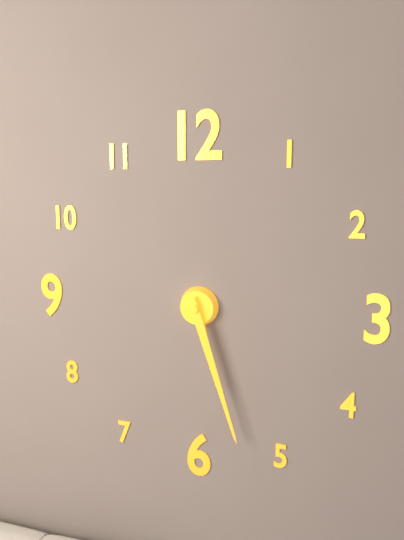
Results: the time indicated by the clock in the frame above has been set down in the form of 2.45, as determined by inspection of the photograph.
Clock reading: 5.27
